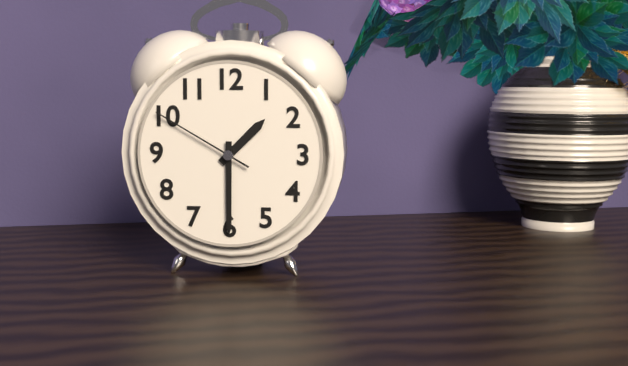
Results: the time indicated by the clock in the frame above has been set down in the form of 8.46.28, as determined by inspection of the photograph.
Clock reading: 1.30.50
